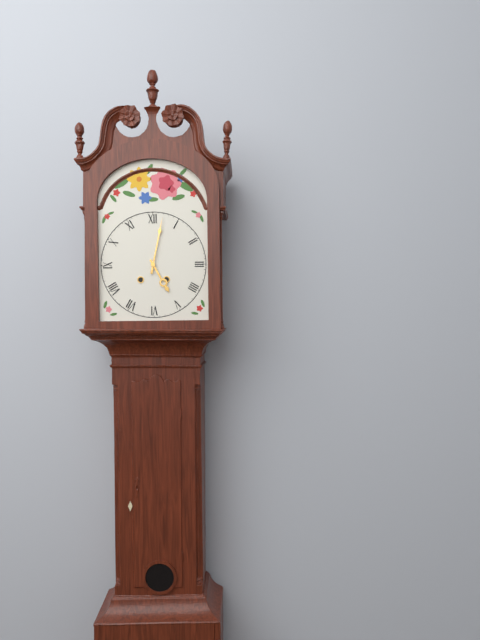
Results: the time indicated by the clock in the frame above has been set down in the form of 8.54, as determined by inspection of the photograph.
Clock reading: 5.02
